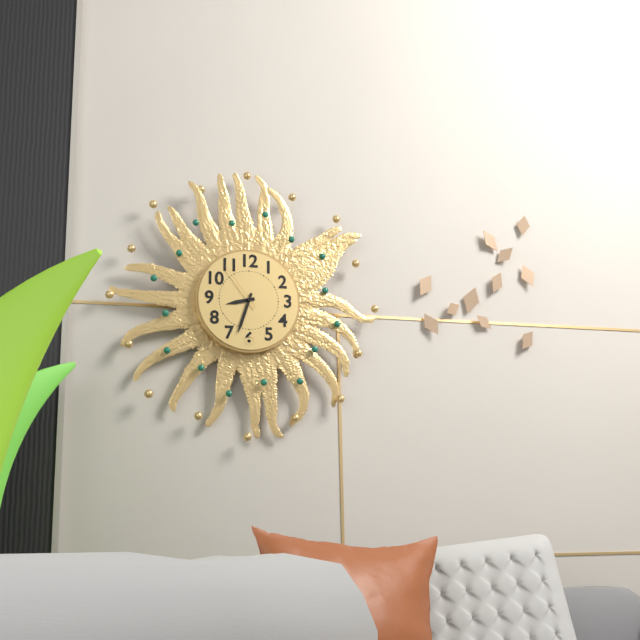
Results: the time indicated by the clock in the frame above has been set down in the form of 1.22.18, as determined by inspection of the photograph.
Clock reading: 8.33.54
